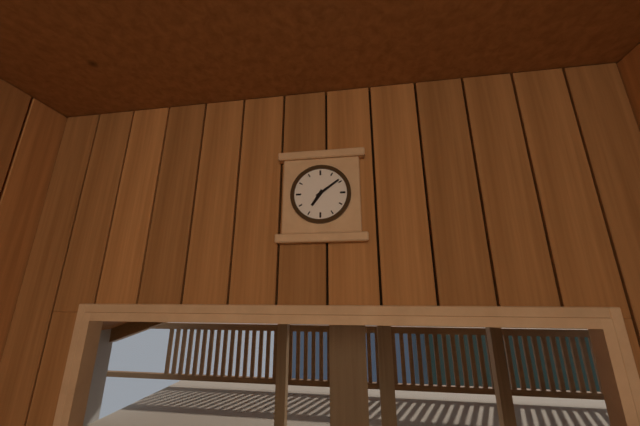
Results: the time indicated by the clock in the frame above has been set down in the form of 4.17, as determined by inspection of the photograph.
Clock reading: 7.09
